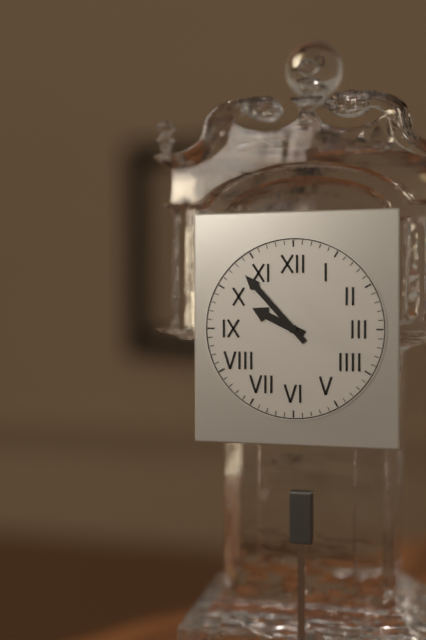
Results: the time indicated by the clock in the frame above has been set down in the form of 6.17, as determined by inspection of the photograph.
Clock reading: 9.53
